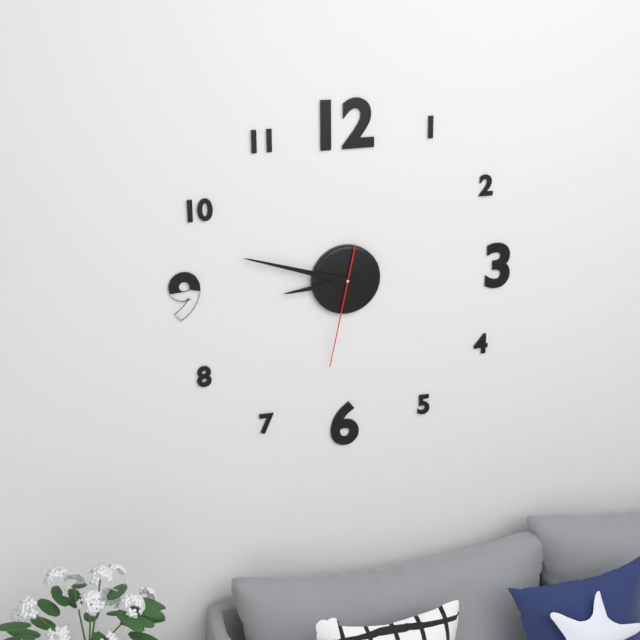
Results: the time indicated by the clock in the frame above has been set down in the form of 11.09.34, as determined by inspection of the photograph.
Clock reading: 8.48.32
